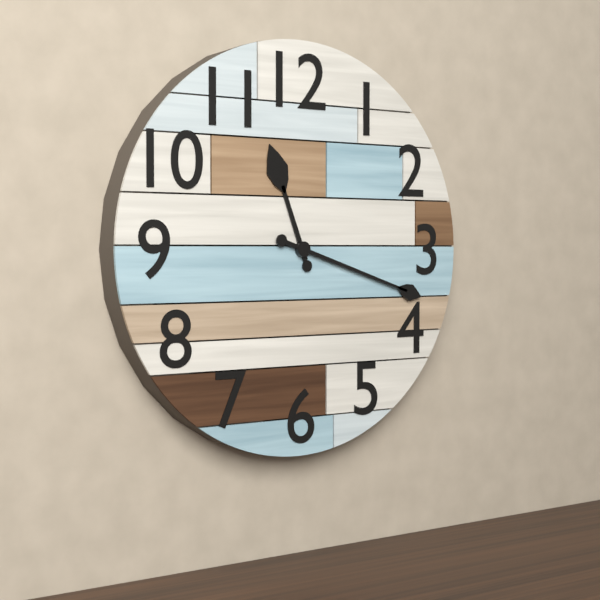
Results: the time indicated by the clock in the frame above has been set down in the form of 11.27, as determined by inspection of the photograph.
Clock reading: 11.18
